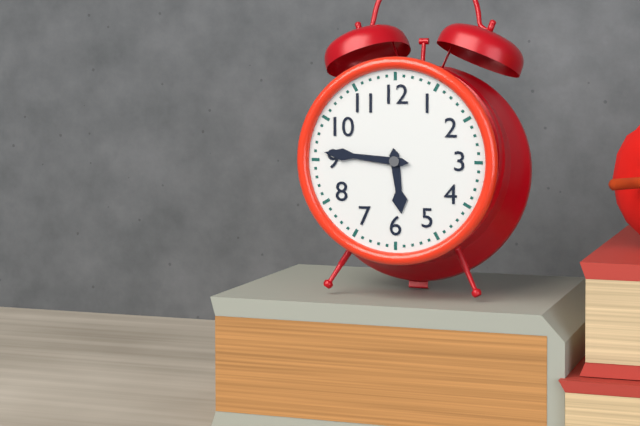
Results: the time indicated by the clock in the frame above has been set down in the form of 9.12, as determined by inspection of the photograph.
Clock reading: 5.46
